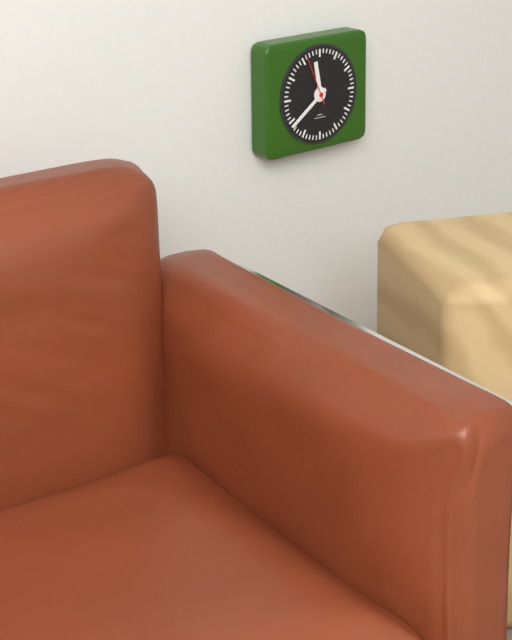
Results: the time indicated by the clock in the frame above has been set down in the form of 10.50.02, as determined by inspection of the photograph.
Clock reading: 11.39.56
